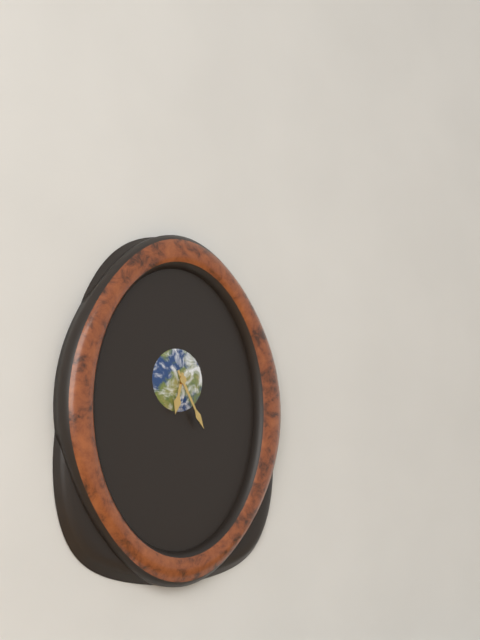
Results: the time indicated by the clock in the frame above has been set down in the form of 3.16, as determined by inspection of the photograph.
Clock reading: 6.25
